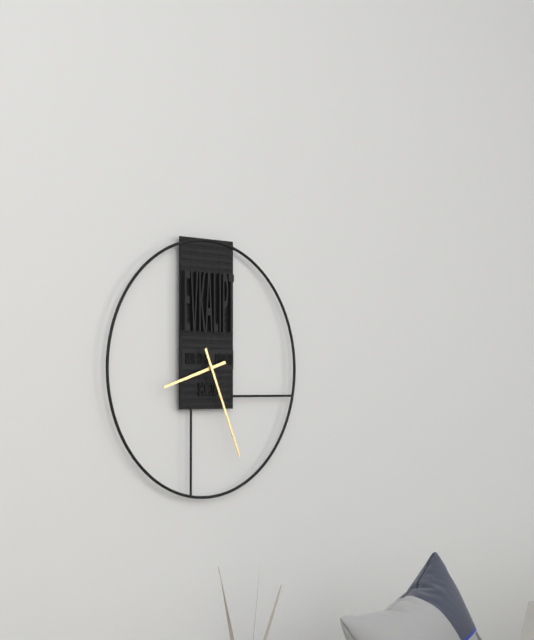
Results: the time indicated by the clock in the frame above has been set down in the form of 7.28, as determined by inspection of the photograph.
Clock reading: 8.26
